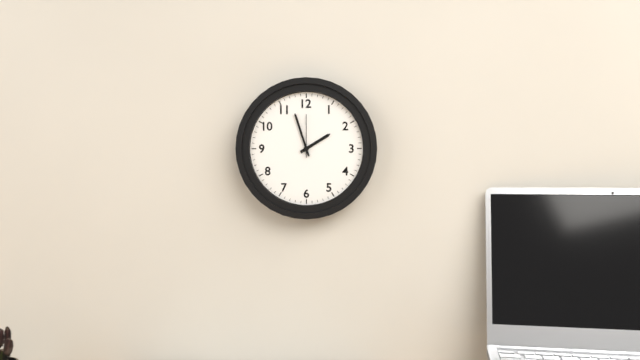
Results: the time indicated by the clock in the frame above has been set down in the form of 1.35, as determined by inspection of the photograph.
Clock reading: 1.57
